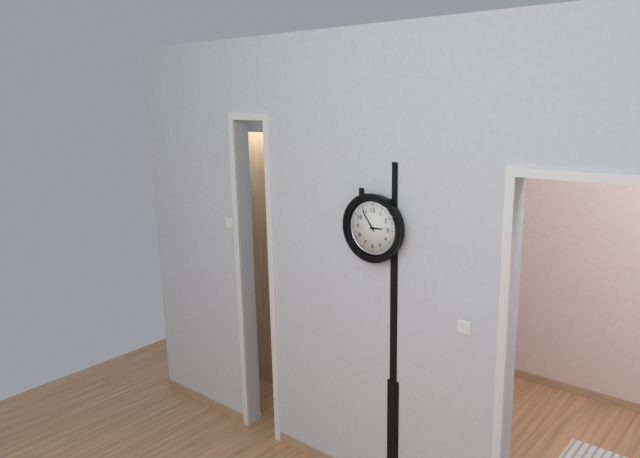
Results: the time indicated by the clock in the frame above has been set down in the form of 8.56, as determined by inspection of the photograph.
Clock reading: 2.54
